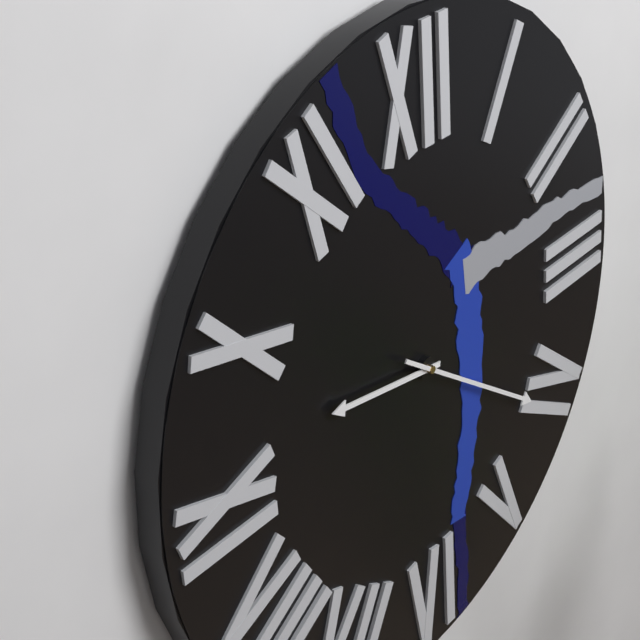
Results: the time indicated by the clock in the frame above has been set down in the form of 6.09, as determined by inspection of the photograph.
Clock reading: 9.21
